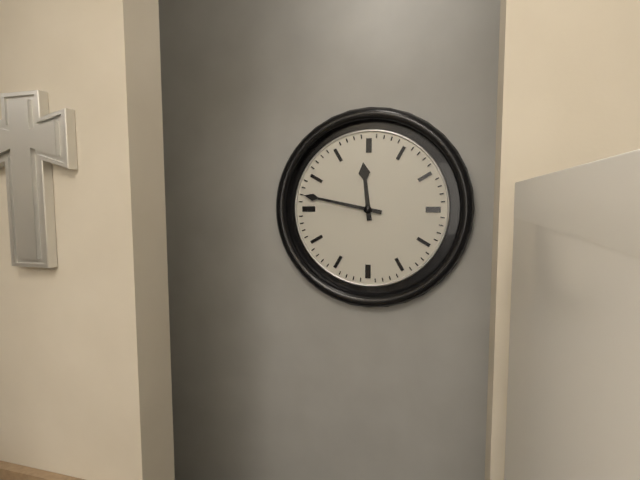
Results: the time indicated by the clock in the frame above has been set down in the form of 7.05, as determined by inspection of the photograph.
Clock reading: 11.47
